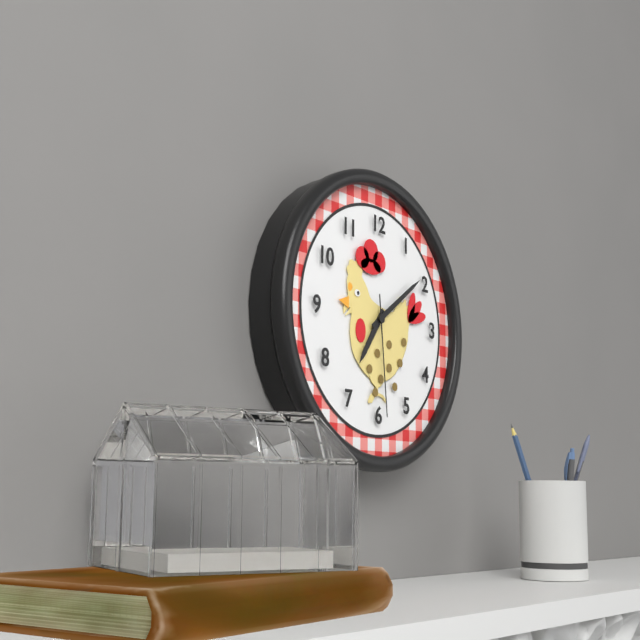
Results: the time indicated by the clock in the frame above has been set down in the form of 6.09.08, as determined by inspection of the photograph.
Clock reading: 7.09.29
